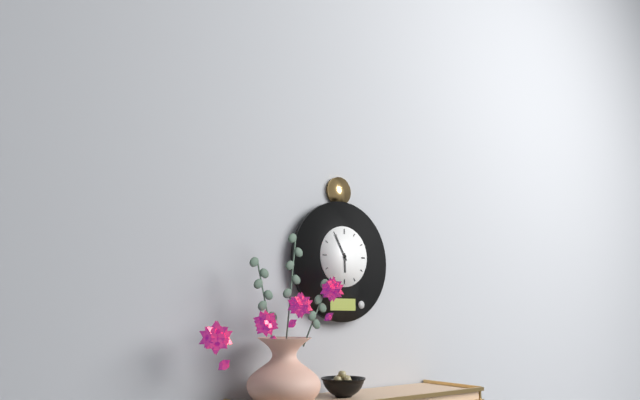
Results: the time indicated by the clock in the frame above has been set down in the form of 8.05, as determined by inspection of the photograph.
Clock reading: 5.55
